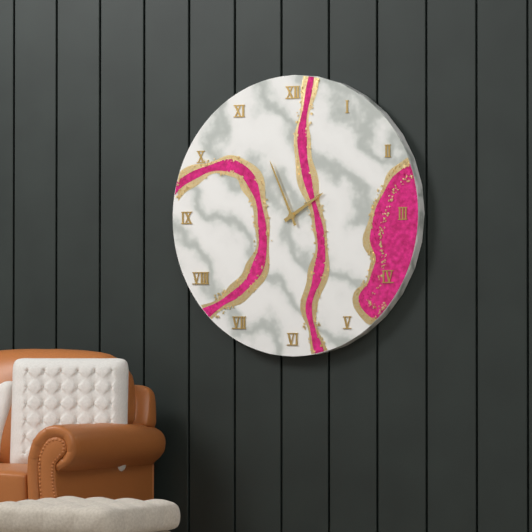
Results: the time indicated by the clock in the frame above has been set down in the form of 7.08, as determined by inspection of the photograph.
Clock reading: 1.56
